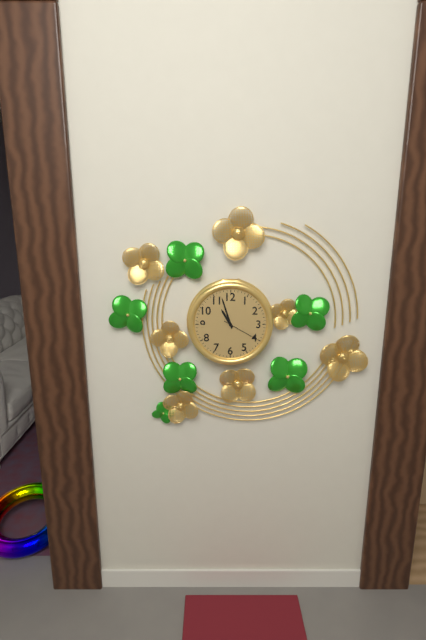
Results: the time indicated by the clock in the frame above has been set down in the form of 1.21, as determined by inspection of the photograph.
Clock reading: 10.57
